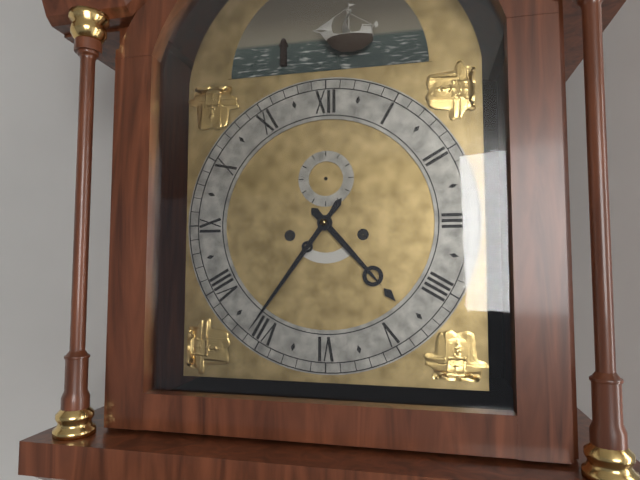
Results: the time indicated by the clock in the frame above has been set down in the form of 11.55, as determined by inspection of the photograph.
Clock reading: 4.36
